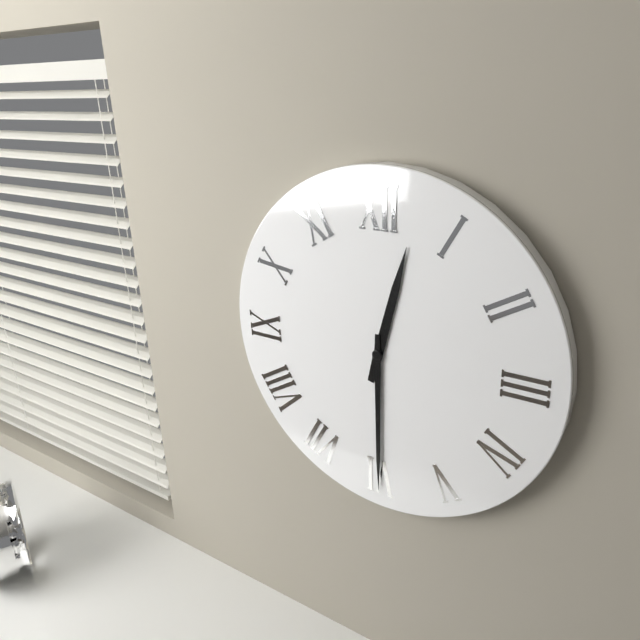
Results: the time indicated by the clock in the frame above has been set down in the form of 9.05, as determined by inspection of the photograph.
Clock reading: 12.30
